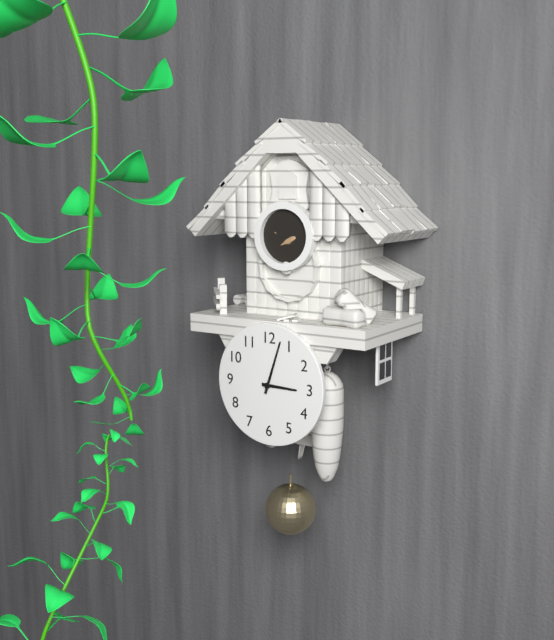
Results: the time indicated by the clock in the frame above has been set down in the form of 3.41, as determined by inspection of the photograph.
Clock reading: 3.03
